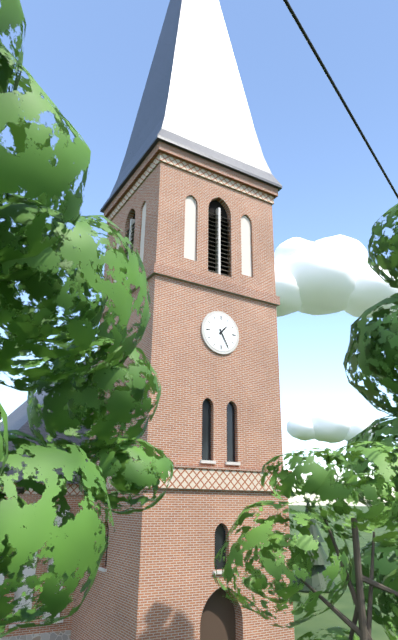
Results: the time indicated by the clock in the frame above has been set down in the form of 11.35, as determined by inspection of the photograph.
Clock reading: 1.25
